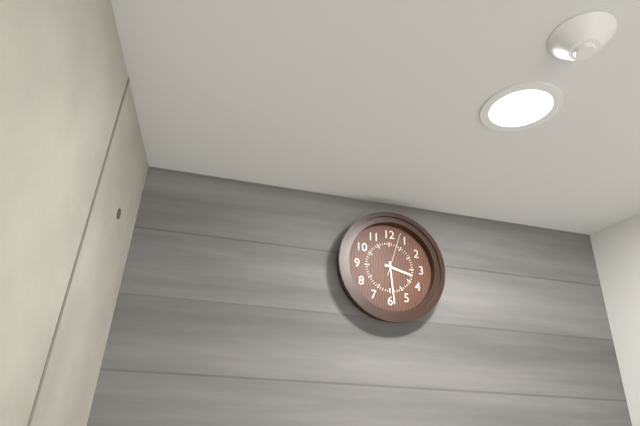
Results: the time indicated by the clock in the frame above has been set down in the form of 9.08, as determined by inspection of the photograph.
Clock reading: 3.29
